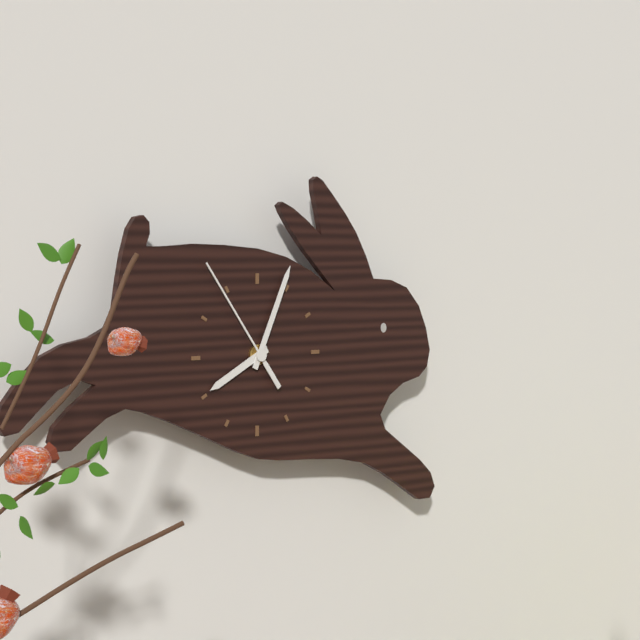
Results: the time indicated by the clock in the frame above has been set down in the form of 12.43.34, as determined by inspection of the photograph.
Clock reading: 8.04.54
